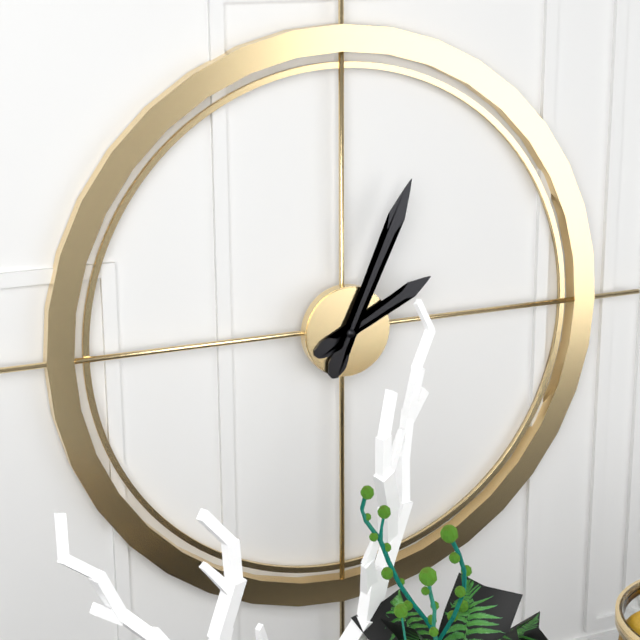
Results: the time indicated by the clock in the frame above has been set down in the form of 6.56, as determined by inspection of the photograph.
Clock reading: 2.04
